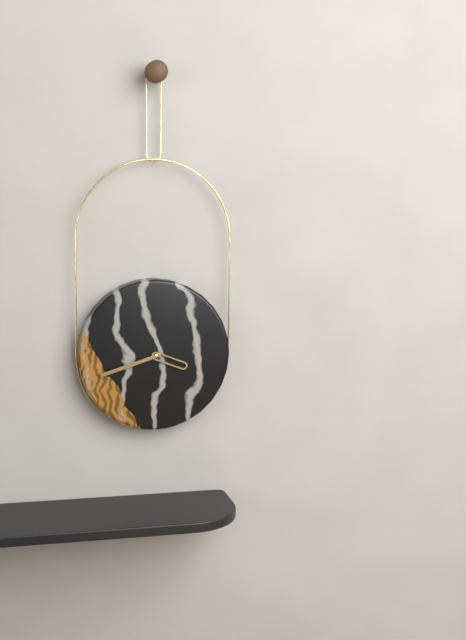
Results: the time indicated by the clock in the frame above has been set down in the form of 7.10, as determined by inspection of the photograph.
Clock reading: 3.42
